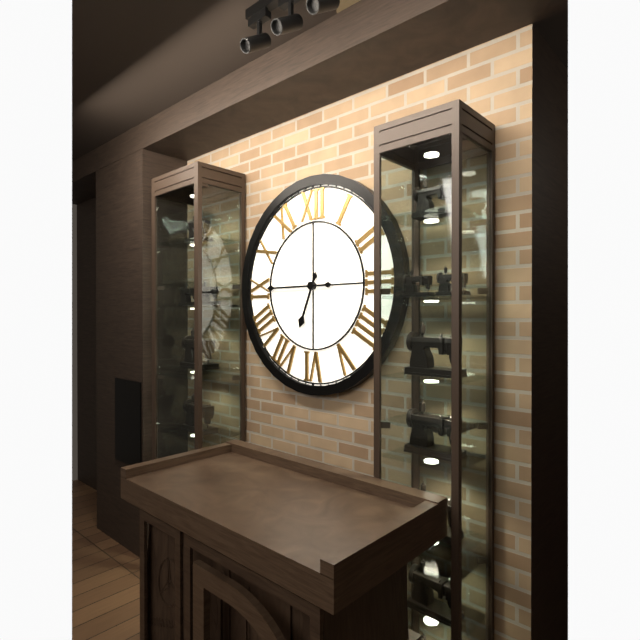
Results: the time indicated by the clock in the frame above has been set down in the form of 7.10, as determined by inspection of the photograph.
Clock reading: 6.45
